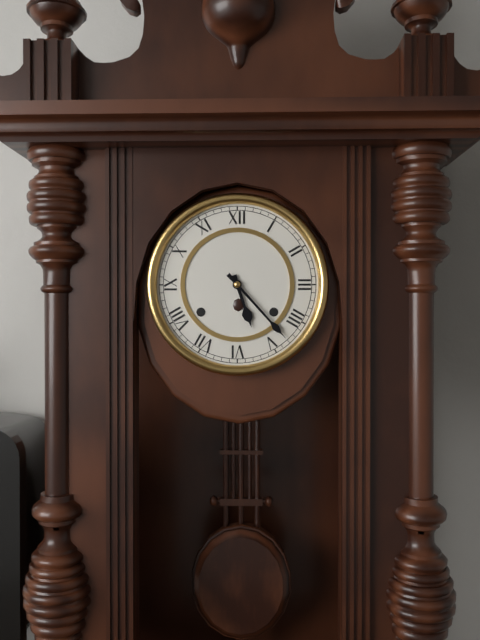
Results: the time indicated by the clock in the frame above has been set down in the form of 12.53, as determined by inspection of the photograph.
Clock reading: 5.23
